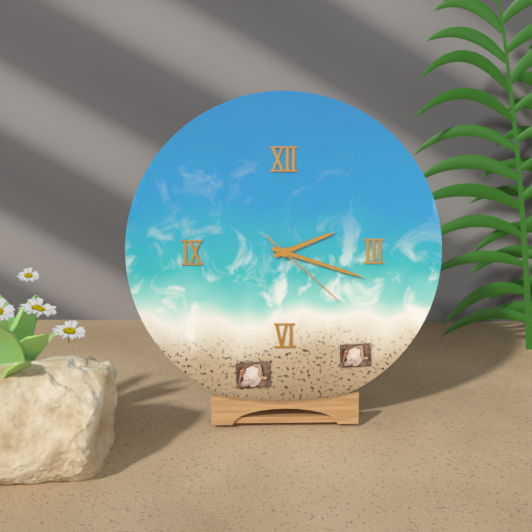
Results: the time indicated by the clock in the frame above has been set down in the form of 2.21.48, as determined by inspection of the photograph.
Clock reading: 2.18.22
